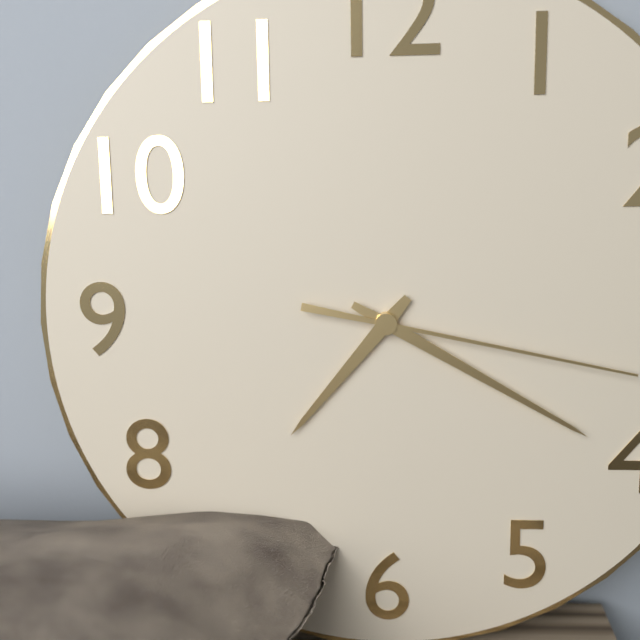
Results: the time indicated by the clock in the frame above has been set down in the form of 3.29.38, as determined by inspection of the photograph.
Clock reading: 7.20.17
